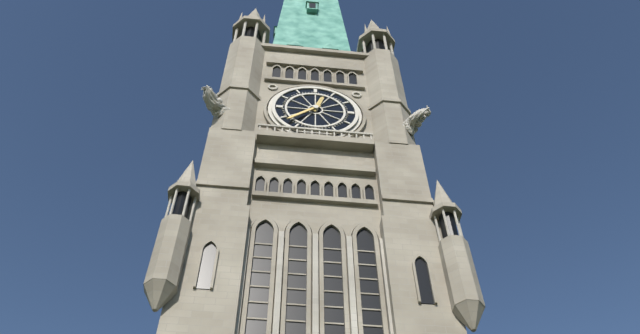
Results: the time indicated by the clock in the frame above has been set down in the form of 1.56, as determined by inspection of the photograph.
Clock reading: 12.38
